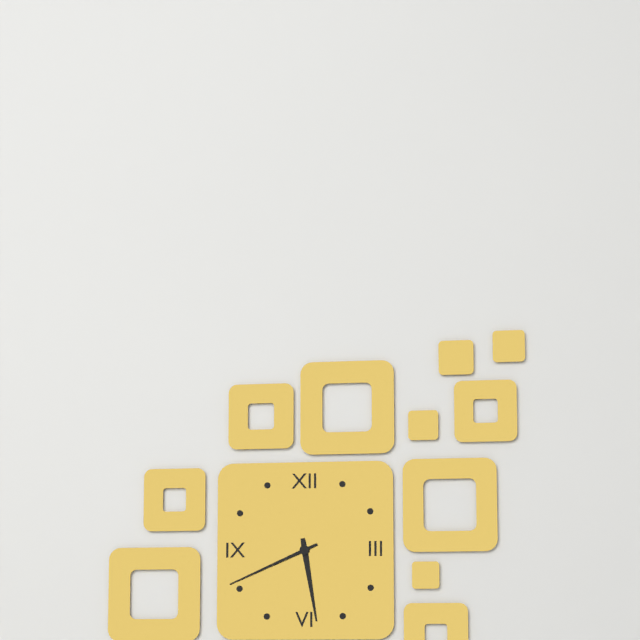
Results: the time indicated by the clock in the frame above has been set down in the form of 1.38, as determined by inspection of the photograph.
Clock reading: 5.41
